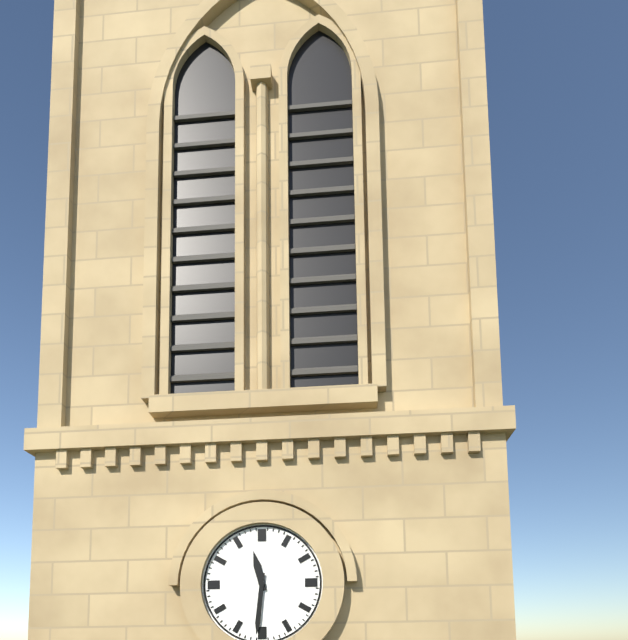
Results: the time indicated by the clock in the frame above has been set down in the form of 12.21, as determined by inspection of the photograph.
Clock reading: 11.31
